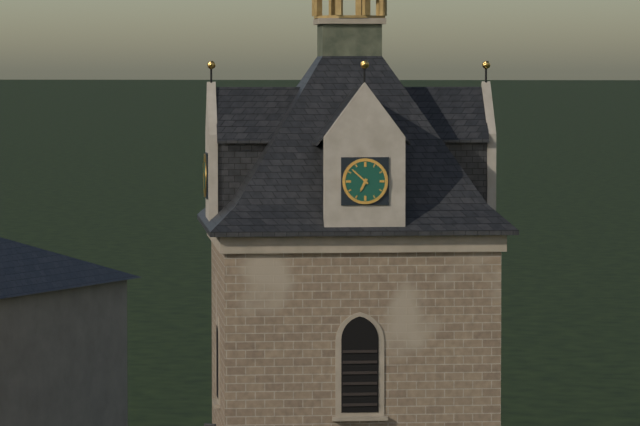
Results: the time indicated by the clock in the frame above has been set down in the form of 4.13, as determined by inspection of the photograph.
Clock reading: 6.52
